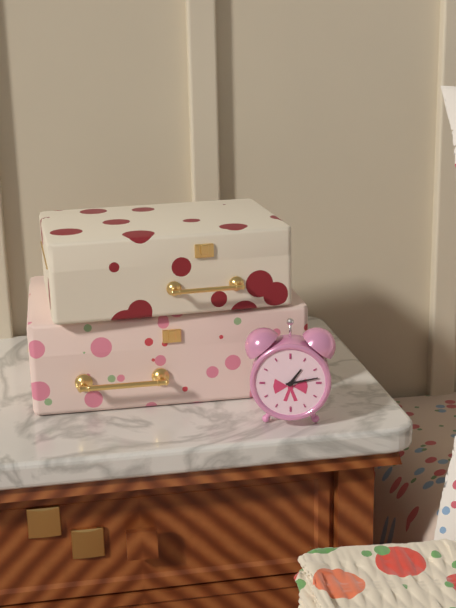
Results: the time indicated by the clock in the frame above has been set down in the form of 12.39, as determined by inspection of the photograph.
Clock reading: 1.13
